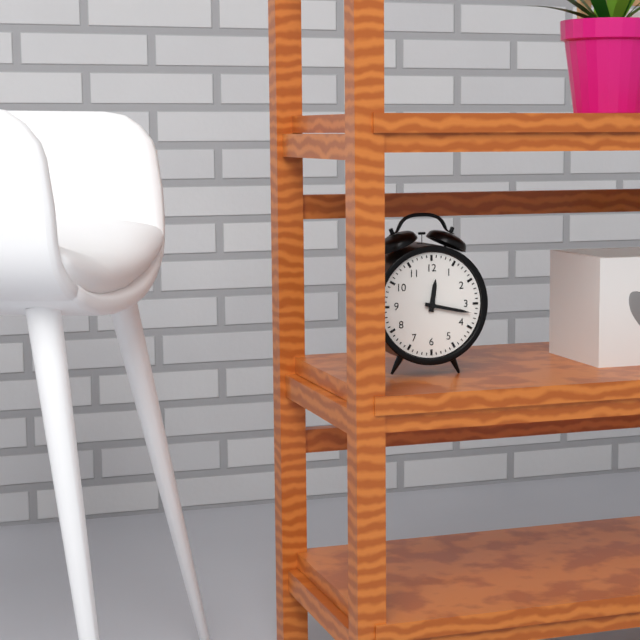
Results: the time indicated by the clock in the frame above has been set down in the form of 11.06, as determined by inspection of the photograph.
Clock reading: 12.17
